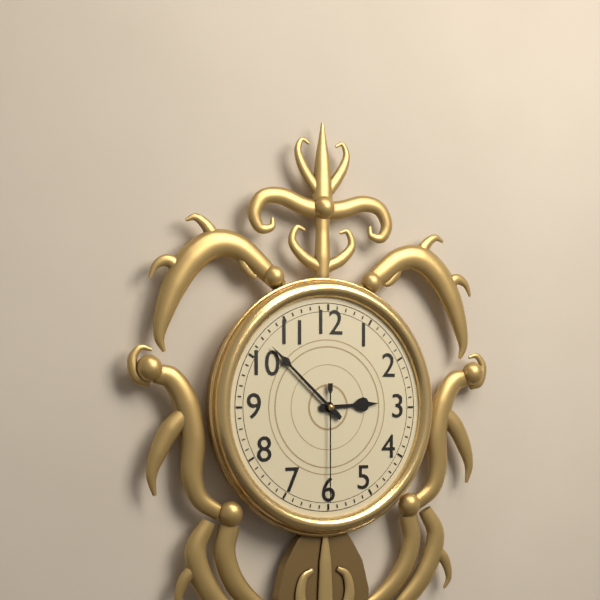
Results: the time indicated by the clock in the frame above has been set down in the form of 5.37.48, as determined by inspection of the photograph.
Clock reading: 2.52.30
